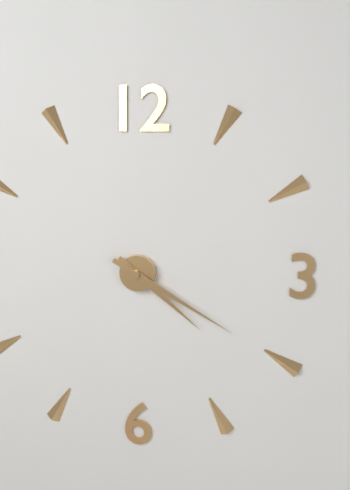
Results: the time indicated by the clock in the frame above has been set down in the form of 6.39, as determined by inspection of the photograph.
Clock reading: 4.20
